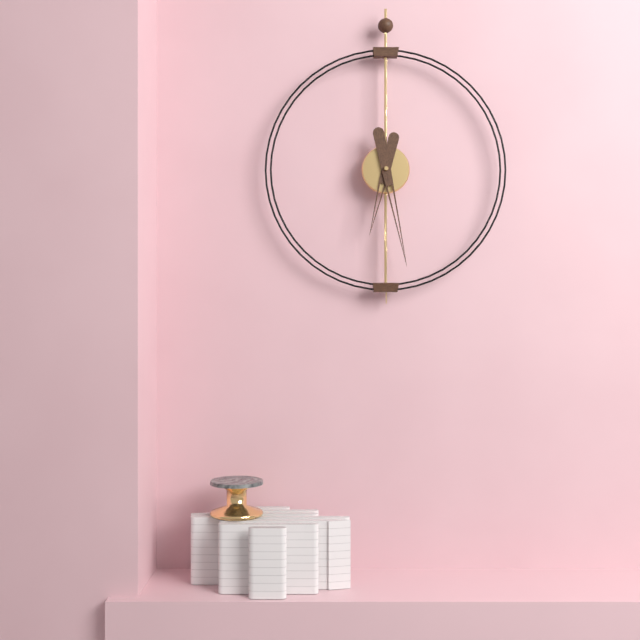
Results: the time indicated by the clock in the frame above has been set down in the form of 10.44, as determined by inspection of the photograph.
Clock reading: 6.28
